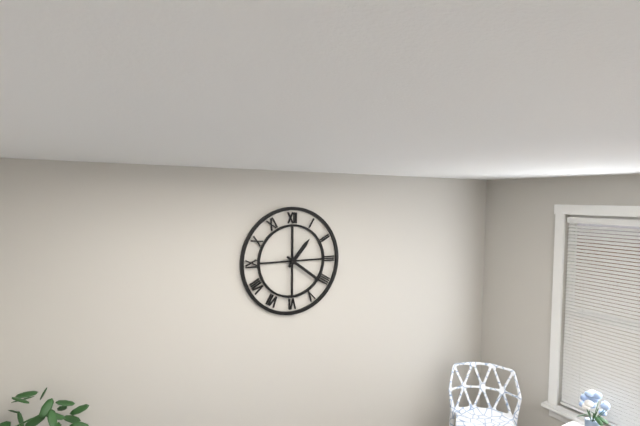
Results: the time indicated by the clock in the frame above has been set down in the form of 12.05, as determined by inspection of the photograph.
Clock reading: 1.21
